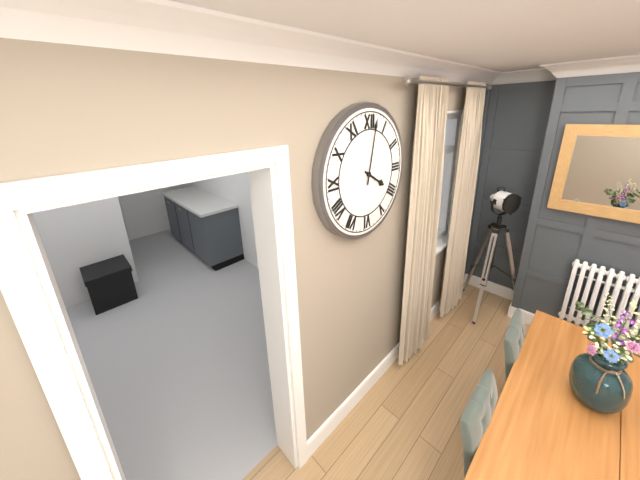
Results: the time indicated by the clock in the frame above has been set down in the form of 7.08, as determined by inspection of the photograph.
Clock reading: 4.02
